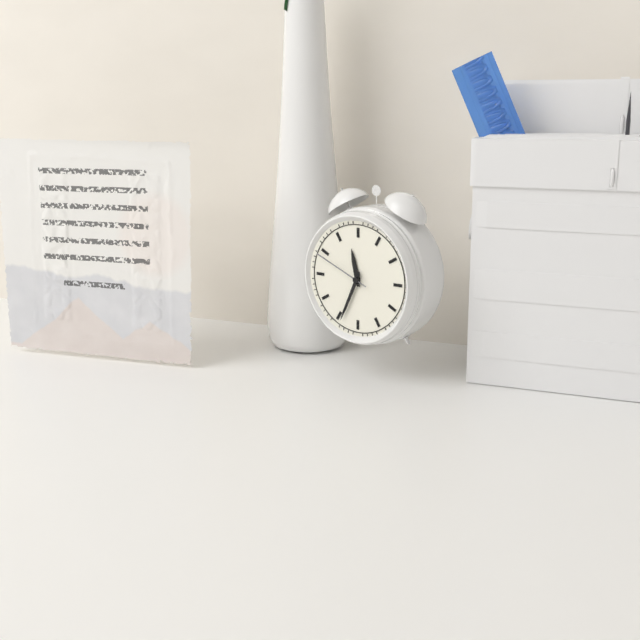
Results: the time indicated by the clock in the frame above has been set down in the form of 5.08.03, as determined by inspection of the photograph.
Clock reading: 11.34.49
